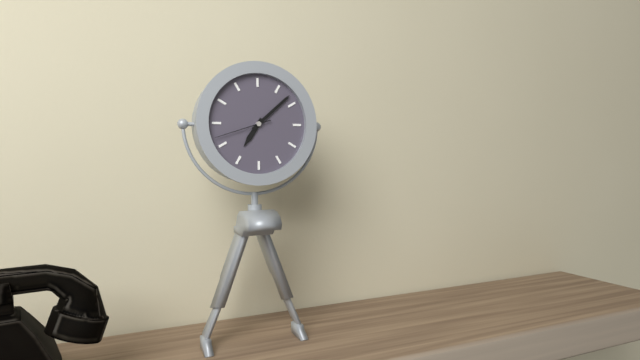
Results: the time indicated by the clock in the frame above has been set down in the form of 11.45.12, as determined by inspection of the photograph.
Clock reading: 7.08.42
